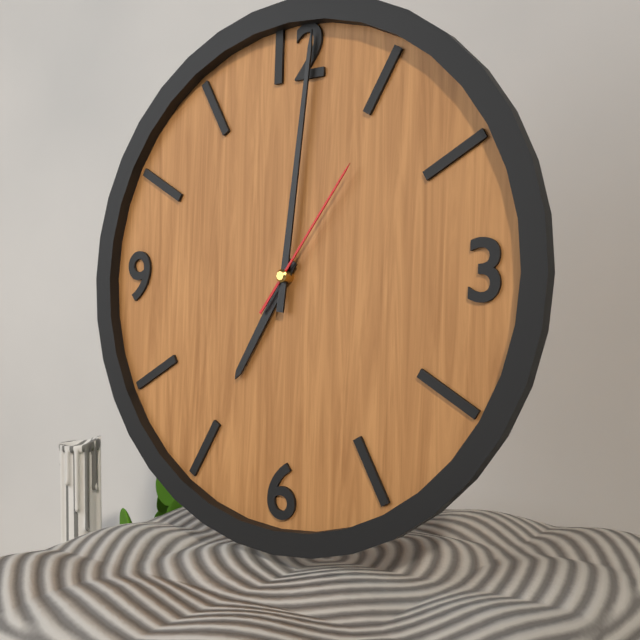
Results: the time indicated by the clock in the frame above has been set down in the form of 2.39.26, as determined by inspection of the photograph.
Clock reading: 7.01.06
